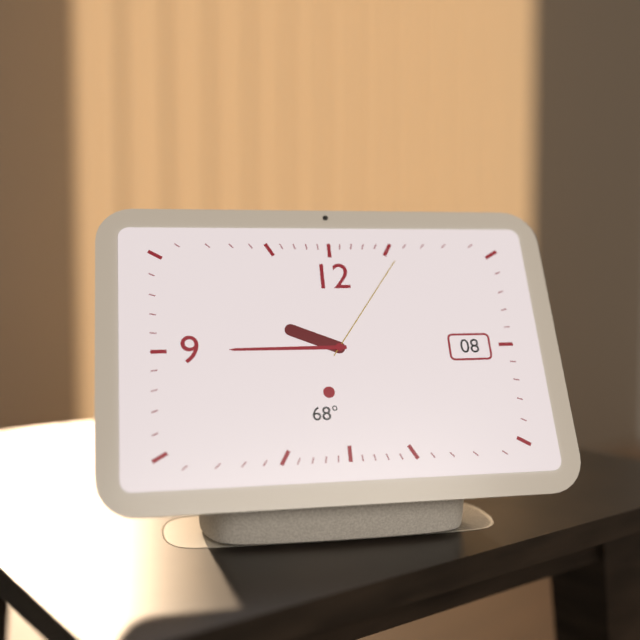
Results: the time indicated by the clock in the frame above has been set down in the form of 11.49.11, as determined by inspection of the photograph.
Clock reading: 9.45.06
